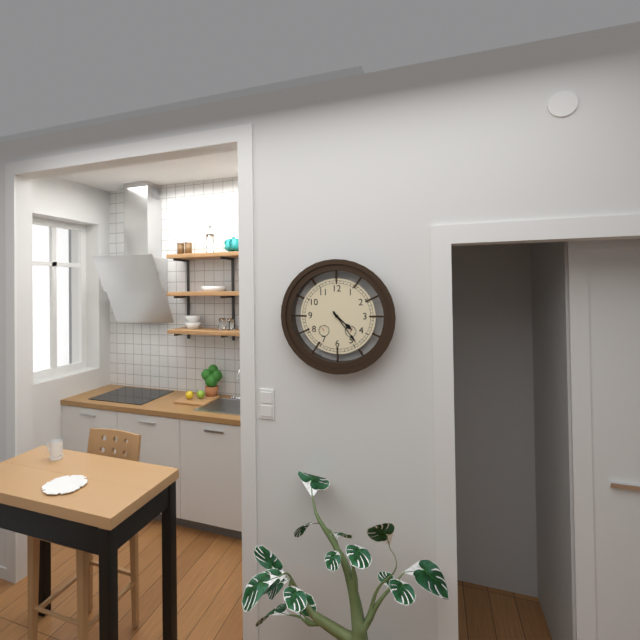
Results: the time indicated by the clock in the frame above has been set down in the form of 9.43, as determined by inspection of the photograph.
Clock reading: 4.24
